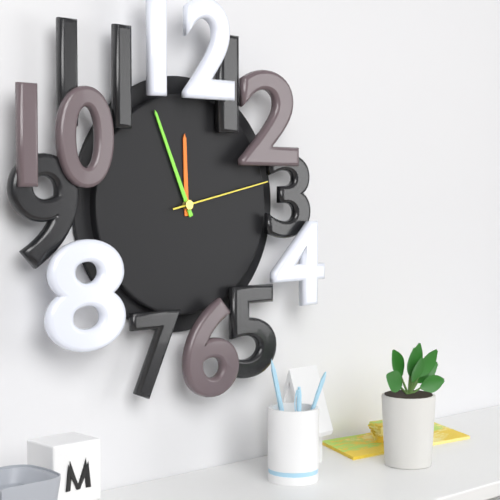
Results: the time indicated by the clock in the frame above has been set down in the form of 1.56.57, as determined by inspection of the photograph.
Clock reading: 11.56.13
